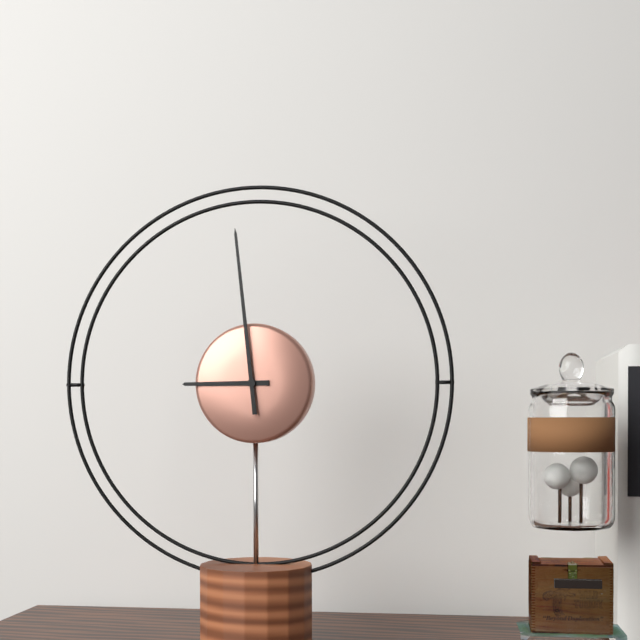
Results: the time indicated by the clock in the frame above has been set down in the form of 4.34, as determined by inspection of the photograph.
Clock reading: 8.59
